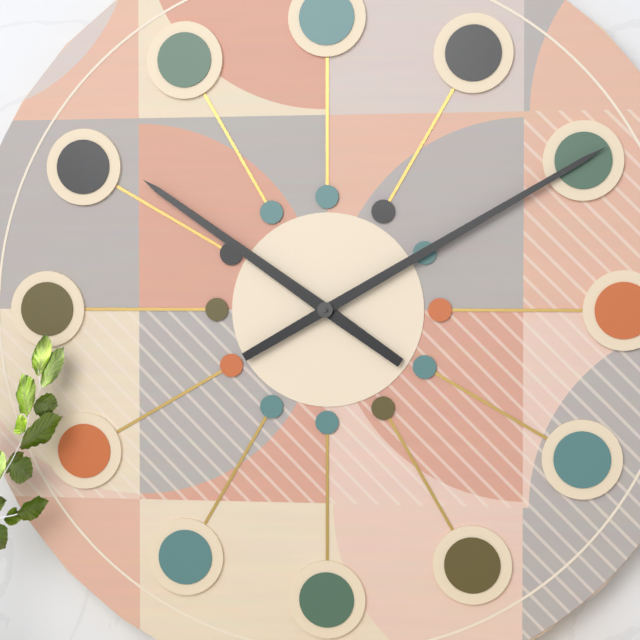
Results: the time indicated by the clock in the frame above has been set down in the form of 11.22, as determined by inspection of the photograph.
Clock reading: 10.10
